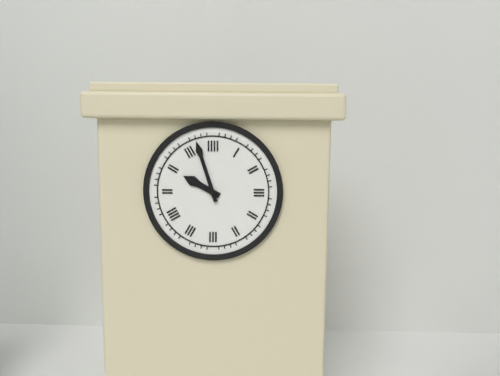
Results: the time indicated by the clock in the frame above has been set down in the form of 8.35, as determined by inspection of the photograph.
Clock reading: 9.57
